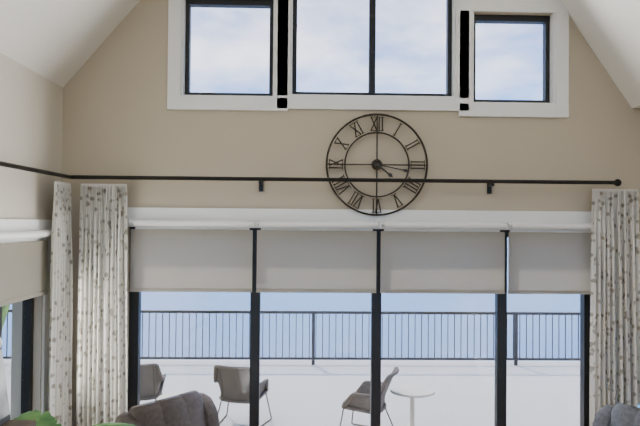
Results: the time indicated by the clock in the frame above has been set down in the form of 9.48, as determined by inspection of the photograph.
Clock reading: 4.17
